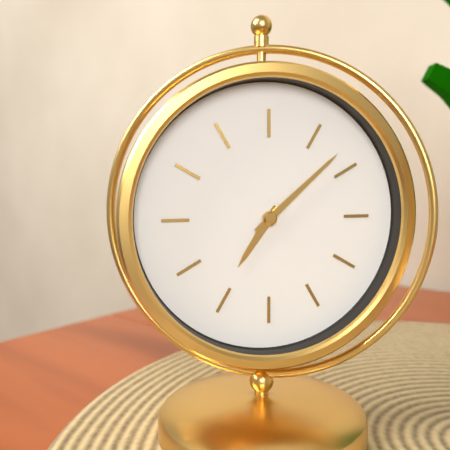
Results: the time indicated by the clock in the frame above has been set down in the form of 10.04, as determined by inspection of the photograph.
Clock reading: 7.08
